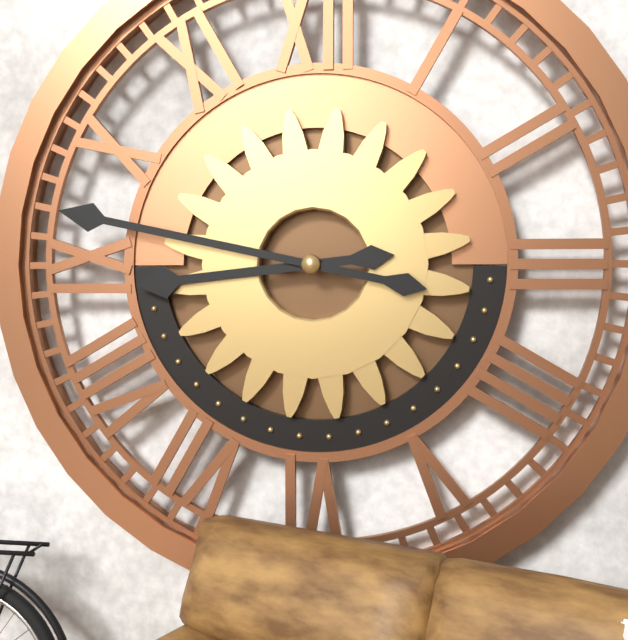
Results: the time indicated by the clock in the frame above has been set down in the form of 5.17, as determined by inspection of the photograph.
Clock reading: 8.47
